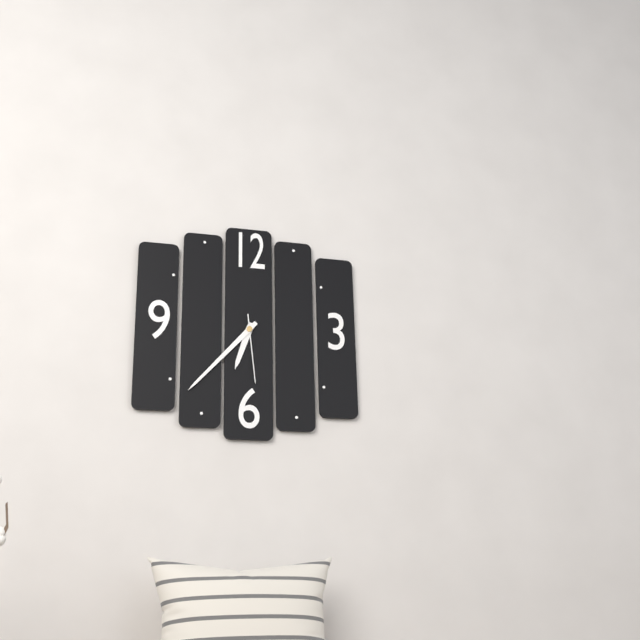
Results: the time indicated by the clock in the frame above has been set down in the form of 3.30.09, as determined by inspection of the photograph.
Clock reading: 6.37.29
